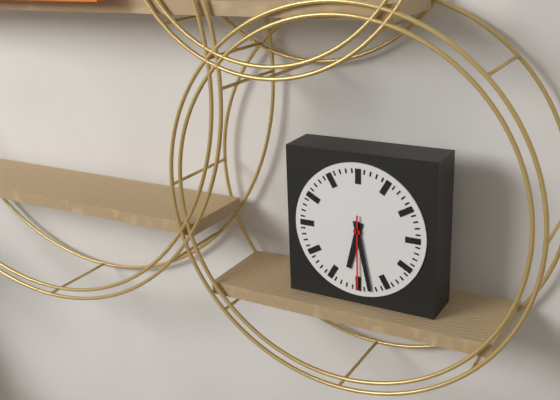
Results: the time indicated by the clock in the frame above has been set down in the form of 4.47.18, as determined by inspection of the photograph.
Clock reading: 6.28.30
